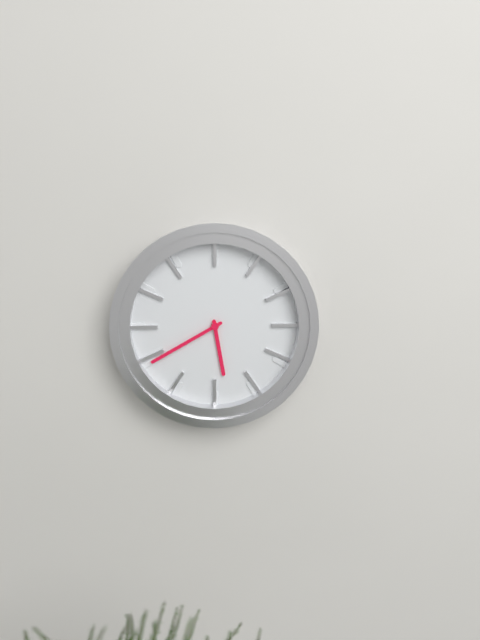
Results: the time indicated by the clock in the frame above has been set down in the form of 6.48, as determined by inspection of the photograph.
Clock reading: 5.40
